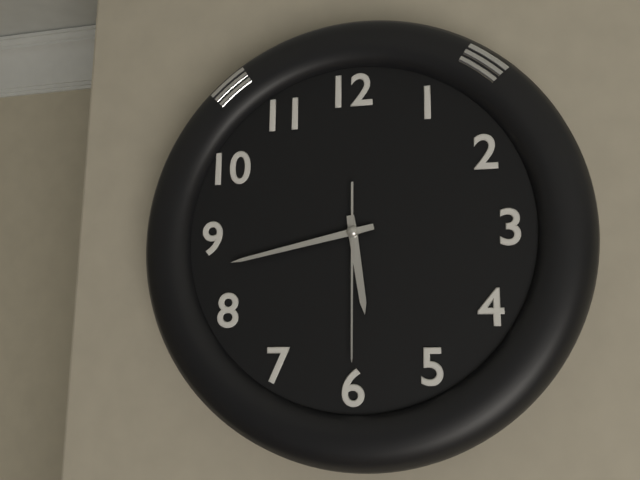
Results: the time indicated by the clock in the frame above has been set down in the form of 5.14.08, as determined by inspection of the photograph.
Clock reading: 5.43.30
